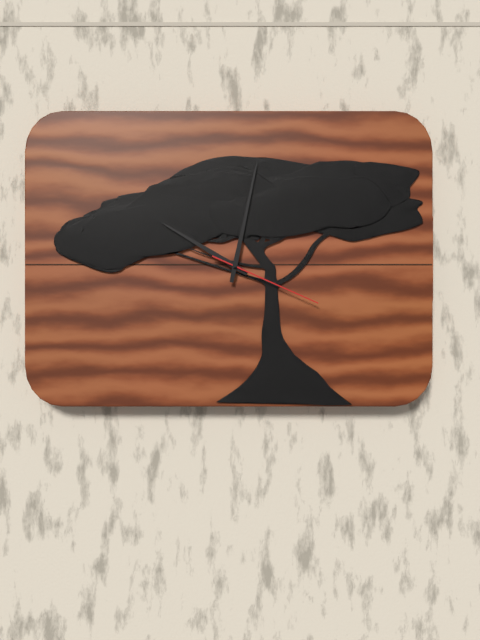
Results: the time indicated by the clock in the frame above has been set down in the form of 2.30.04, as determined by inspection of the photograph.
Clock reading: 10.02.19
